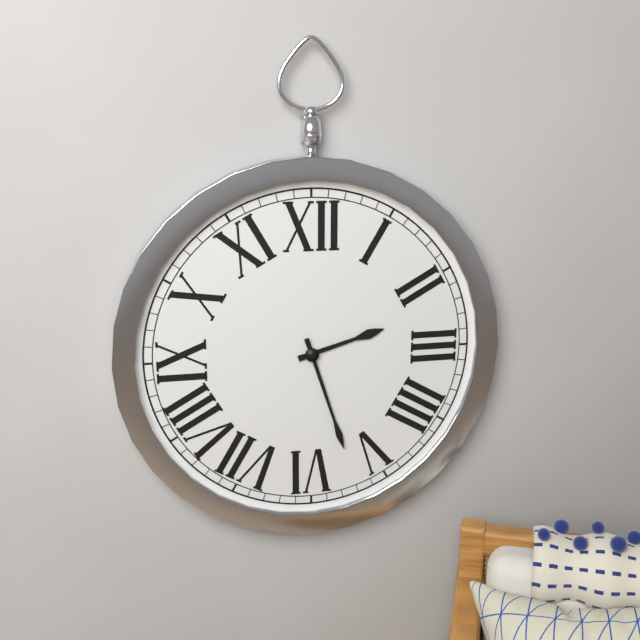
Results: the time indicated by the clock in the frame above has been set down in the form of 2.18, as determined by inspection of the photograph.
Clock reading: 2.27
